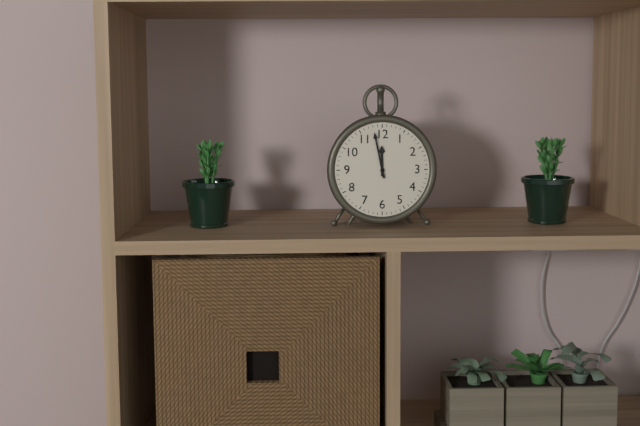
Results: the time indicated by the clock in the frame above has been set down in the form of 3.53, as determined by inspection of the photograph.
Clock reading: 11.58
